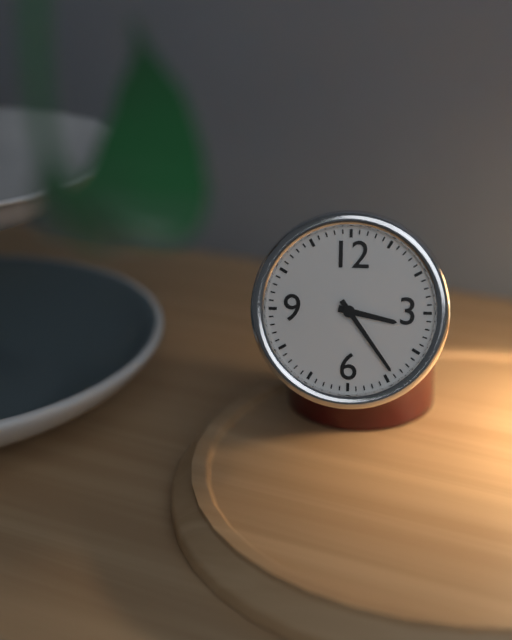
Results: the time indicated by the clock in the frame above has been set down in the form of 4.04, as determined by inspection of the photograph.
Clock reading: 3.24
